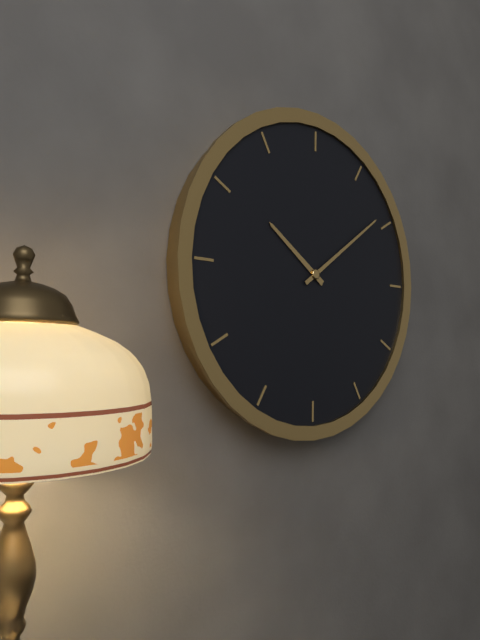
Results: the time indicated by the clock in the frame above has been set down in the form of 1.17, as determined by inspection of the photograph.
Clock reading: 10.09
